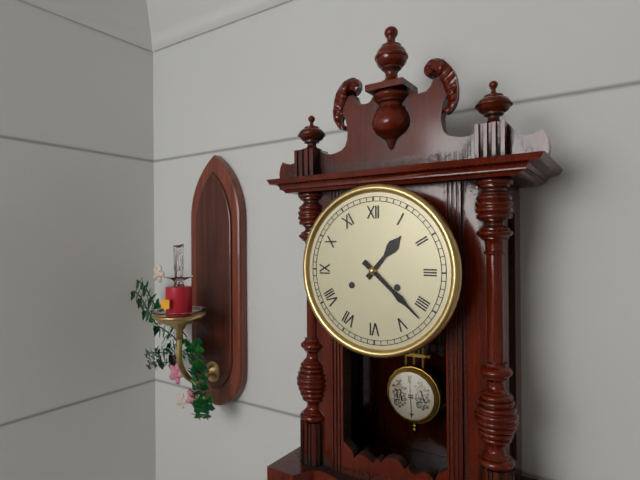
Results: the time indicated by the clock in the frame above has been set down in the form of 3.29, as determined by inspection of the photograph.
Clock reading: 1.22
